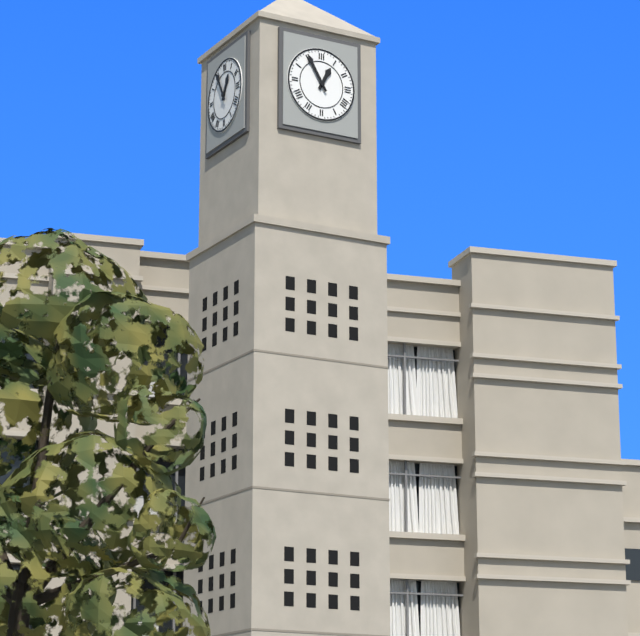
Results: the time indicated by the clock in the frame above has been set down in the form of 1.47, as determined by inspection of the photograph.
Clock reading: 12.55
